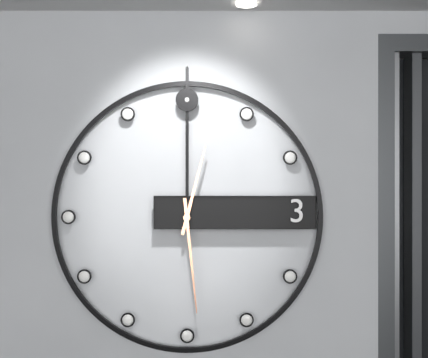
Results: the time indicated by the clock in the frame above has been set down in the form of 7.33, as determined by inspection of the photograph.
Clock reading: 12.29
